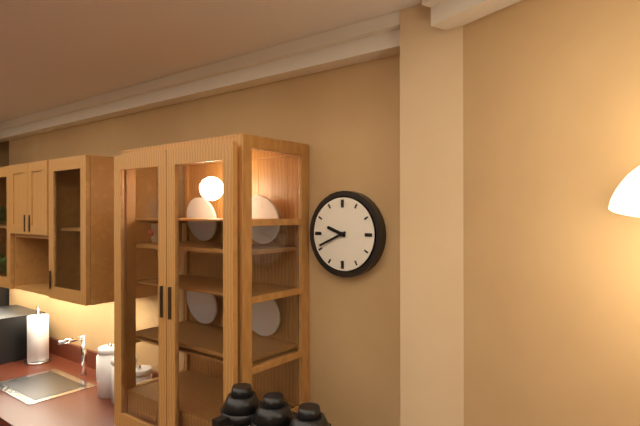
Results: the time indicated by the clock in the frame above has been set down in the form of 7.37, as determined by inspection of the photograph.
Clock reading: 9.41
